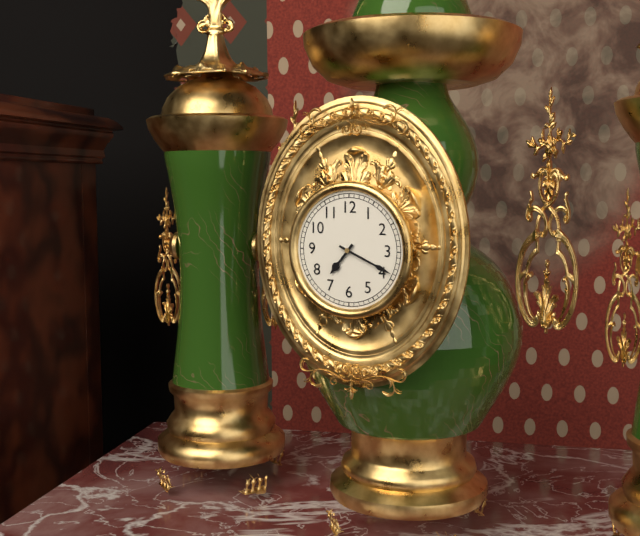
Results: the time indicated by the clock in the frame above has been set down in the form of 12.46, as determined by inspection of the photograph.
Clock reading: 7.19
